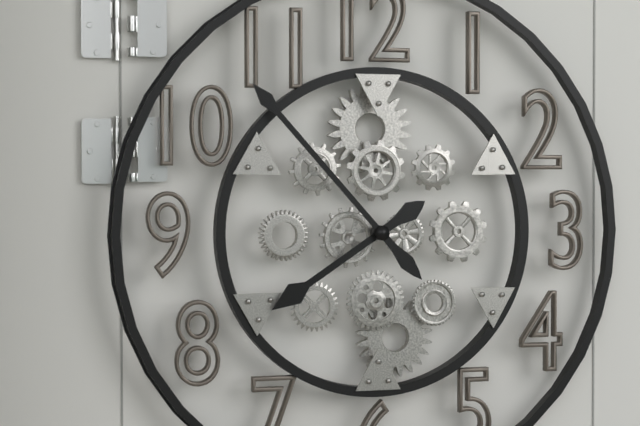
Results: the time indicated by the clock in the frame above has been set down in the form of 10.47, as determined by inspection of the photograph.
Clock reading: 7.53
